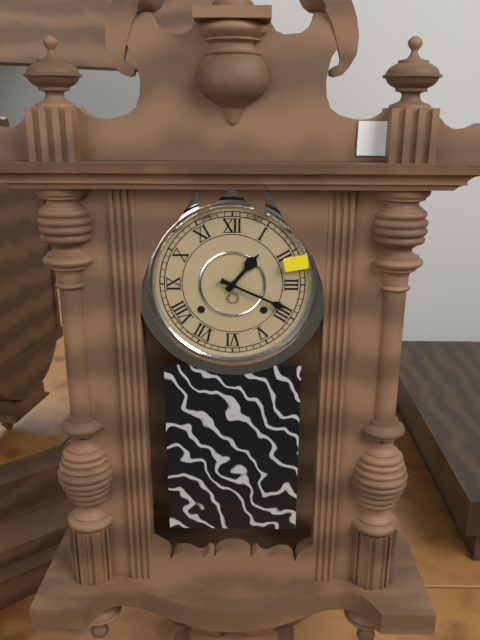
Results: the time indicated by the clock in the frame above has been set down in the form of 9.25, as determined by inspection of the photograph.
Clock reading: 1.19
